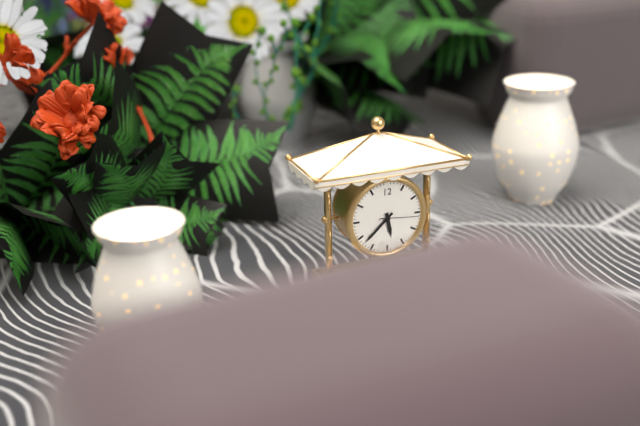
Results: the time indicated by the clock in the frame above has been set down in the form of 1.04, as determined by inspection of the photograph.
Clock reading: 5.38
